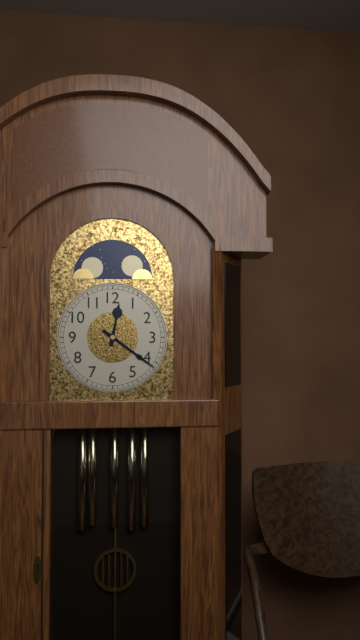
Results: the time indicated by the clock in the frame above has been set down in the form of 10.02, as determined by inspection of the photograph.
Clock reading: 12.21
